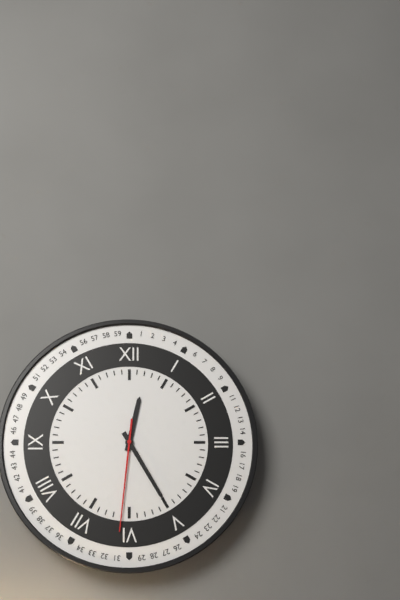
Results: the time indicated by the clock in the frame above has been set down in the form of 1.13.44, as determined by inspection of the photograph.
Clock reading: 12.25.31
